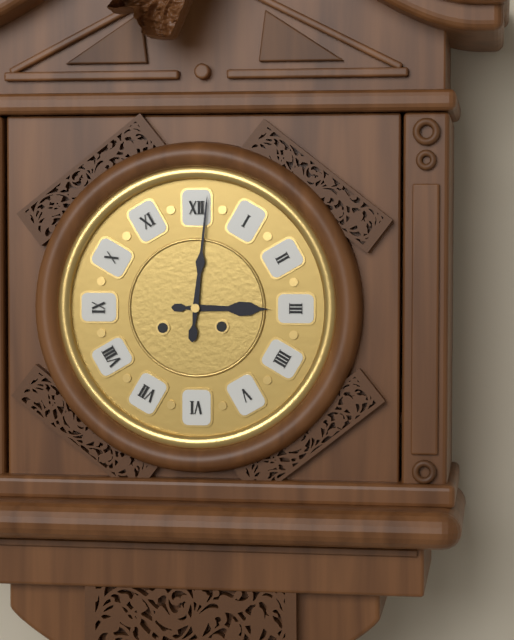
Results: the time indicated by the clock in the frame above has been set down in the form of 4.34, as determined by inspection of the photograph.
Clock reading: 3.01
